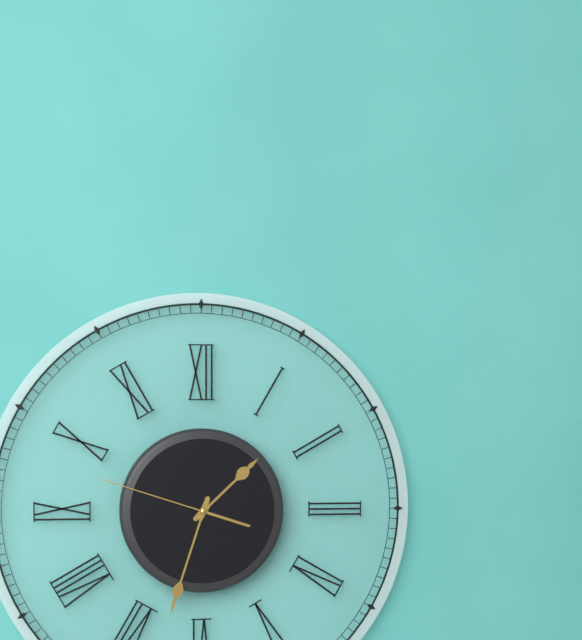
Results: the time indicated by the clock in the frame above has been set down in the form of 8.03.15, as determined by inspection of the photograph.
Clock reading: 1.33.48
